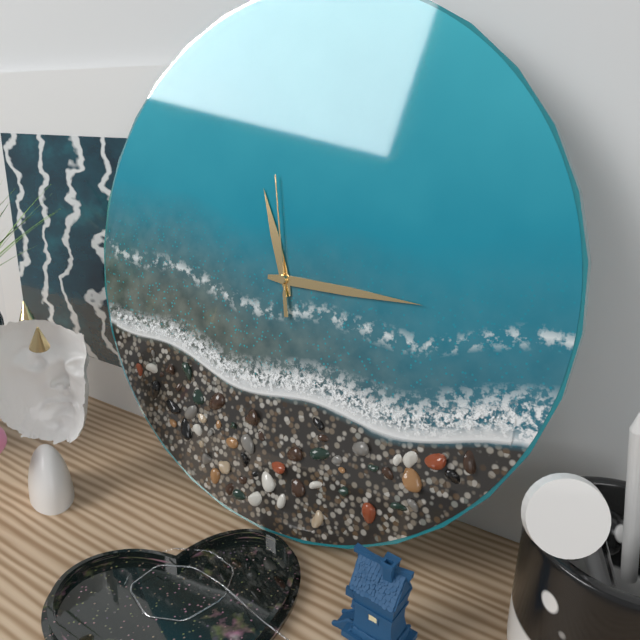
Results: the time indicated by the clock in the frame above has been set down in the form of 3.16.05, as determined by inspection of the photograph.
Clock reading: 11.15.58
